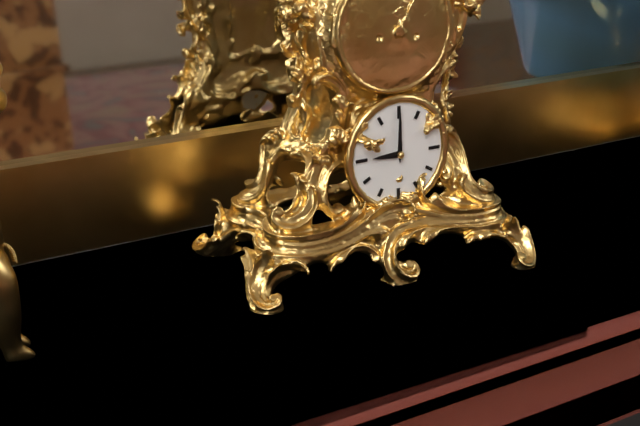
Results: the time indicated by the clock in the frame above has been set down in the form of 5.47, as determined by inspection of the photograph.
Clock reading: 9.00
